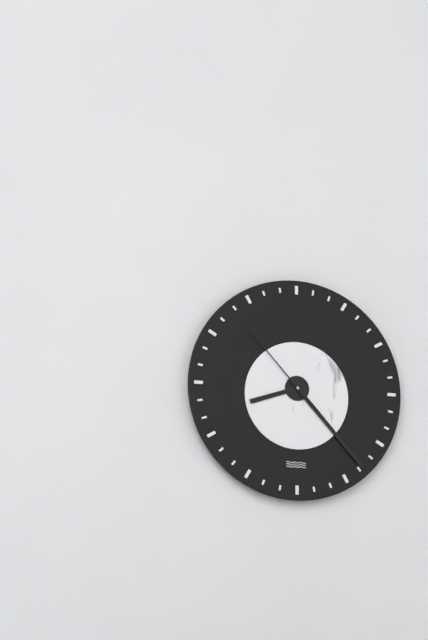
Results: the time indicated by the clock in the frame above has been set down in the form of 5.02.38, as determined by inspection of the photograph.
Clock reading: 8.23.53
